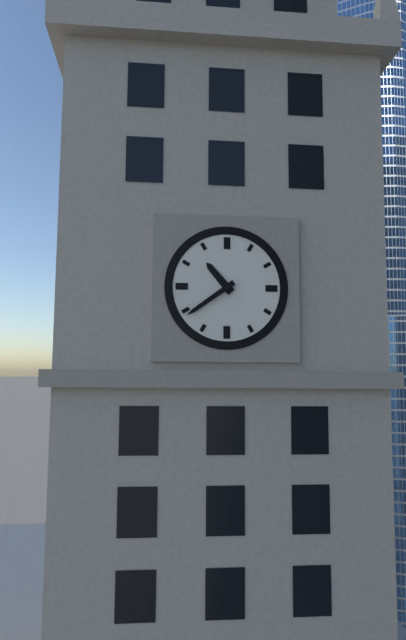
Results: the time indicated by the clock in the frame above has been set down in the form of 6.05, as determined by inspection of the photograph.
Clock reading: 10.39
